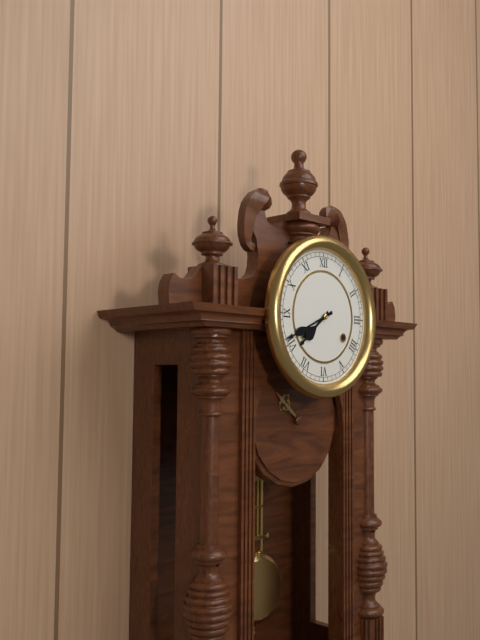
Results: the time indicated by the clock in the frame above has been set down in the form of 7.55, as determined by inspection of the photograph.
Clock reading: 7.41
